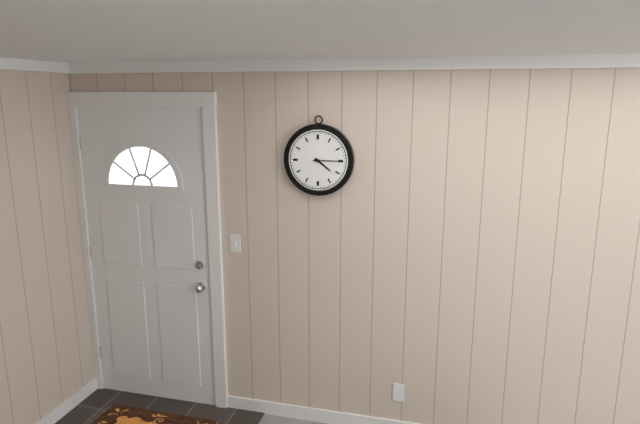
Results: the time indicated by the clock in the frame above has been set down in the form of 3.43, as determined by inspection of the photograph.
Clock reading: 4.15
